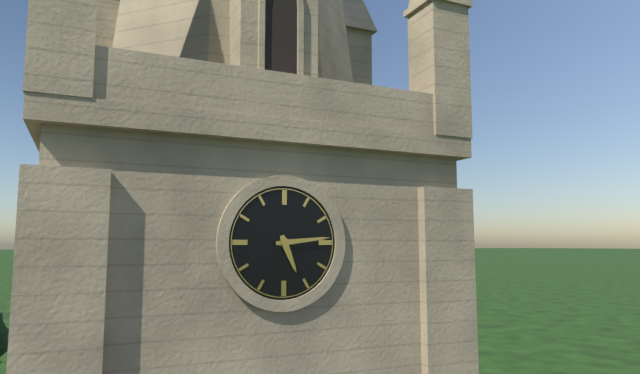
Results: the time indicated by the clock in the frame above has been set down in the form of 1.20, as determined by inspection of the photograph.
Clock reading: 5.14
